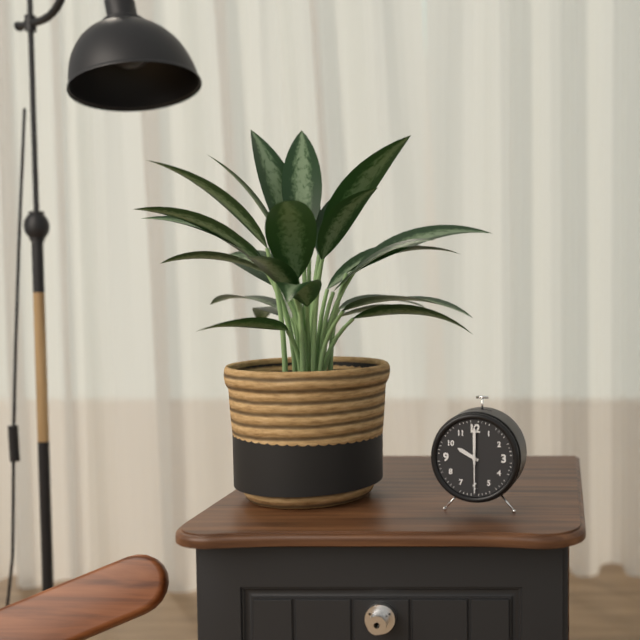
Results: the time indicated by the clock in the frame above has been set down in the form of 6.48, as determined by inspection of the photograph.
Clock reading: 10.00
